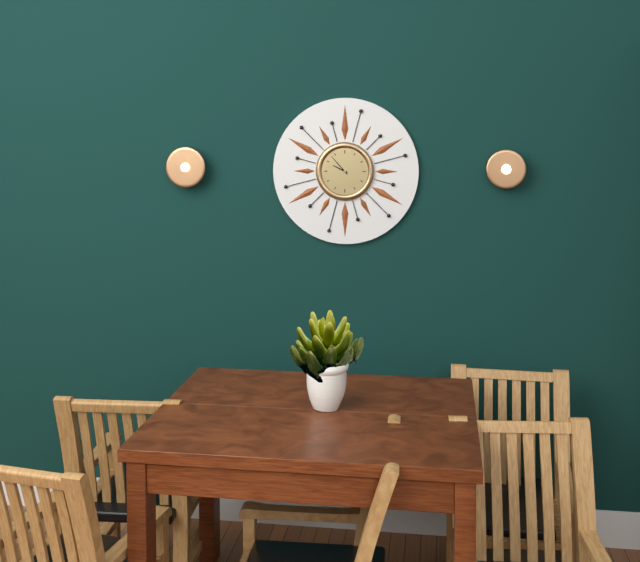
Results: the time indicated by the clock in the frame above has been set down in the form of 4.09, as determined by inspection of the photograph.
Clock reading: 9.53
